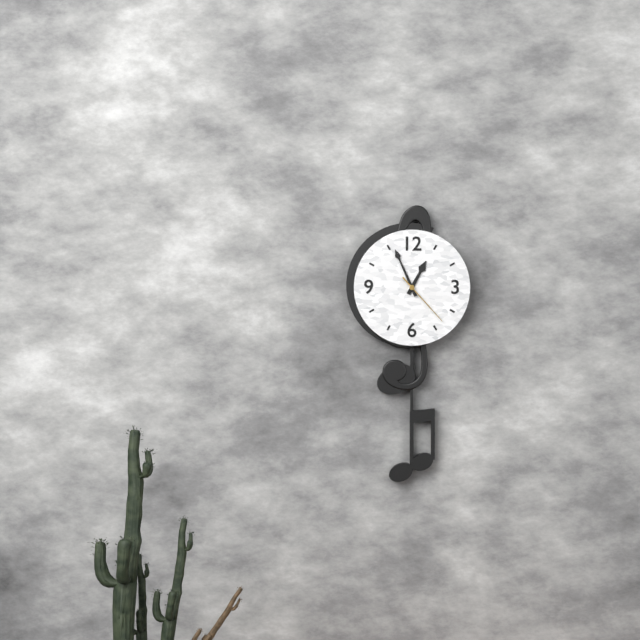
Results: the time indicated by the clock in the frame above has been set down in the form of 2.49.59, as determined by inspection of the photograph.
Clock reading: 12.56.23
